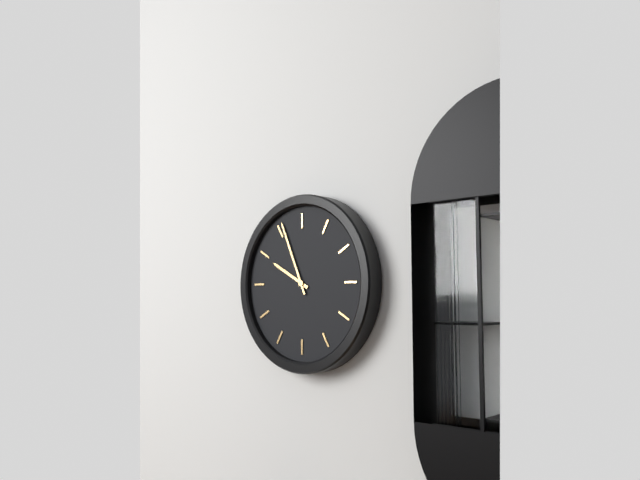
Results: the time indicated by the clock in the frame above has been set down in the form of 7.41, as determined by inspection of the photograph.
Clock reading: 9.56
